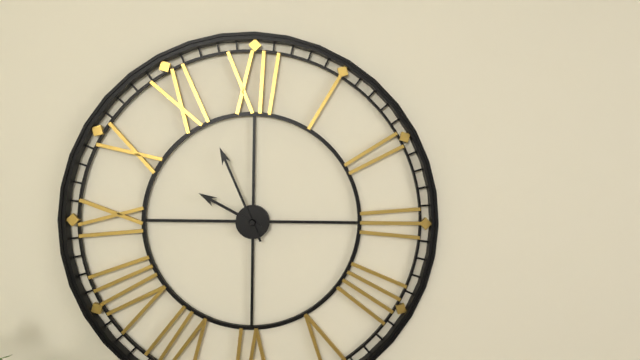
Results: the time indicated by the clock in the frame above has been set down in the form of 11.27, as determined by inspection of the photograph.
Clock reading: 9.56
